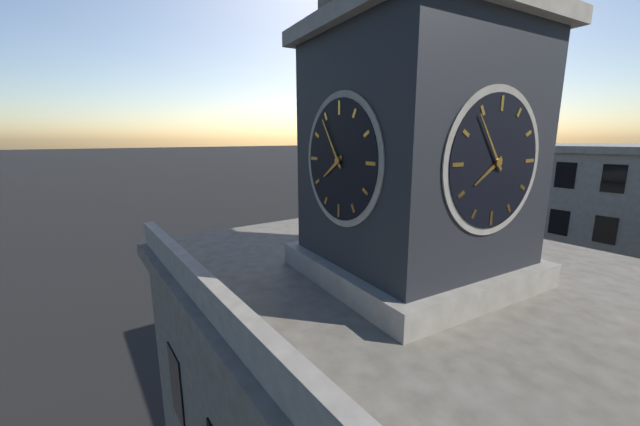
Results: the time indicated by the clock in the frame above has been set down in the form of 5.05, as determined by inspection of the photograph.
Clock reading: 7.54
